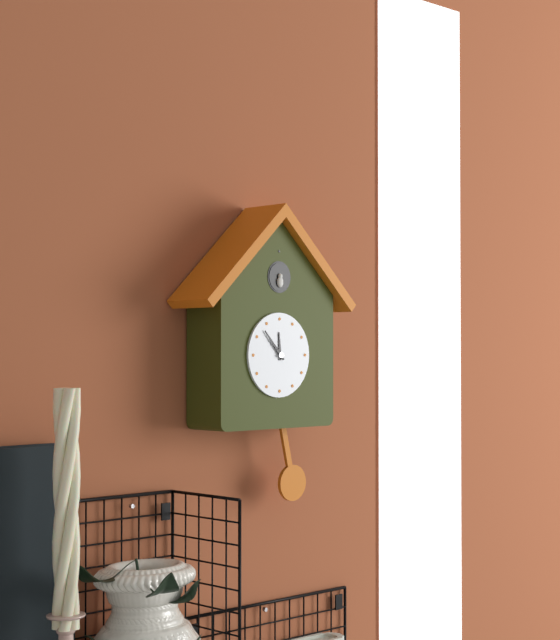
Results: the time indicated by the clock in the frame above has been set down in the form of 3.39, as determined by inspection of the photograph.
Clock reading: 11.53
